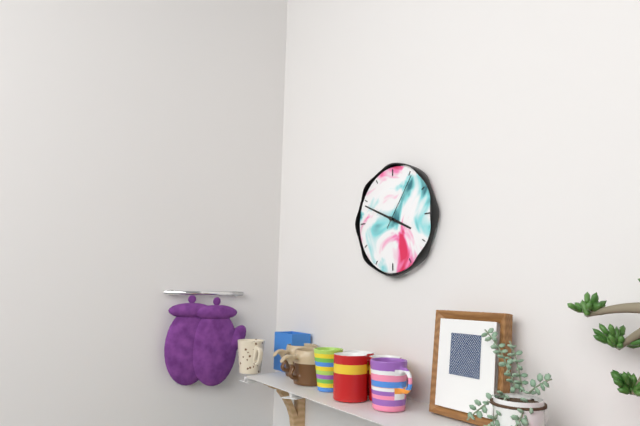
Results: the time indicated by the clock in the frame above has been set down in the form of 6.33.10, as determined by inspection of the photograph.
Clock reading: 3.49.06
